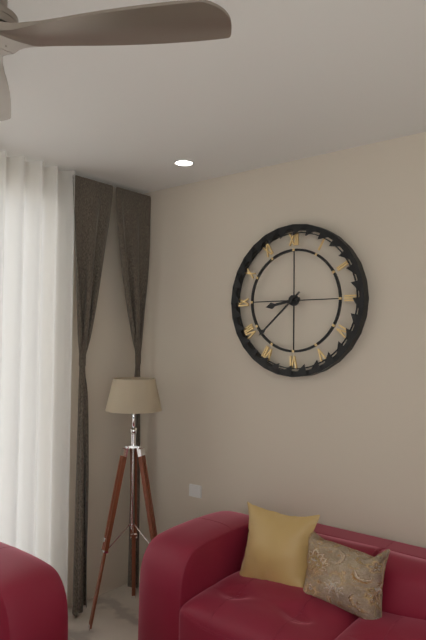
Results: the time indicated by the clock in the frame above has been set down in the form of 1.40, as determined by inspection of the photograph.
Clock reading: 8.38
